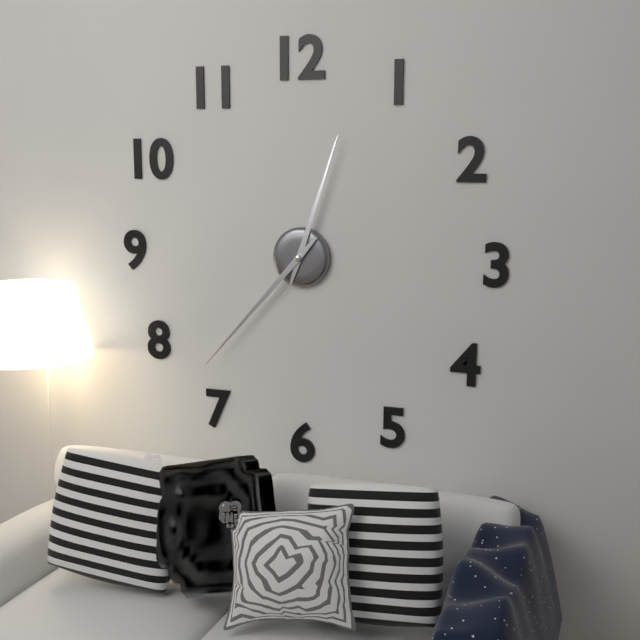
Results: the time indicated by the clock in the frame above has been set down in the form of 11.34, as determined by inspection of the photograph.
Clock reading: 12.37
